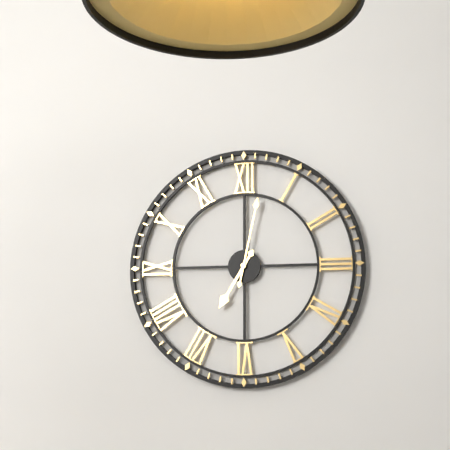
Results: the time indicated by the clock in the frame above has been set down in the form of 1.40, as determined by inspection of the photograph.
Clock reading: 7.02
